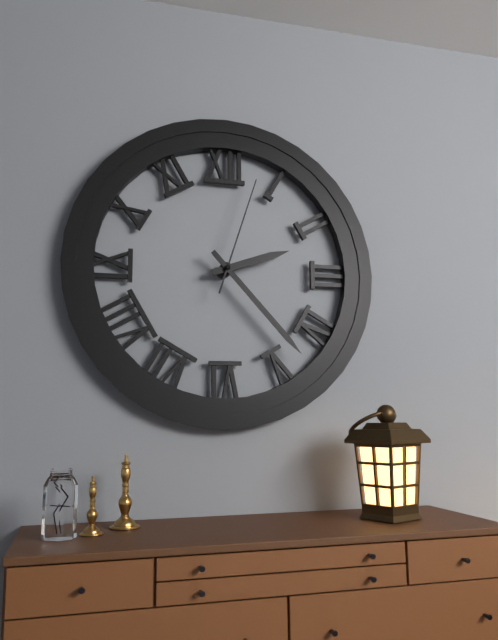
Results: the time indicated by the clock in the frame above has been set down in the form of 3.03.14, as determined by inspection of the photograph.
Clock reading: 2.23.03
